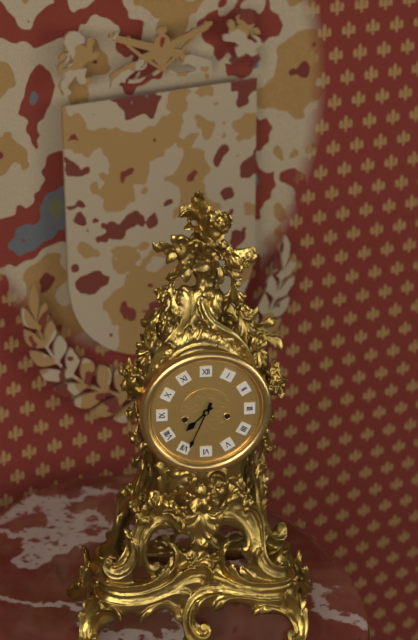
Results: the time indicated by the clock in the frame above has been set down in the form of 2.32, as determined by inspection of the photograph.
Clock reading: 7.34
